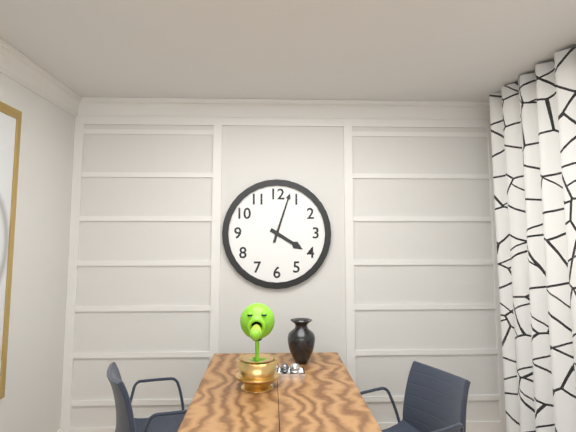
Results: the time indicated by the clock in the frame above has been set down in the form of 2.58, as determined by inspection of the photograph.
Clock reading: 4.03
